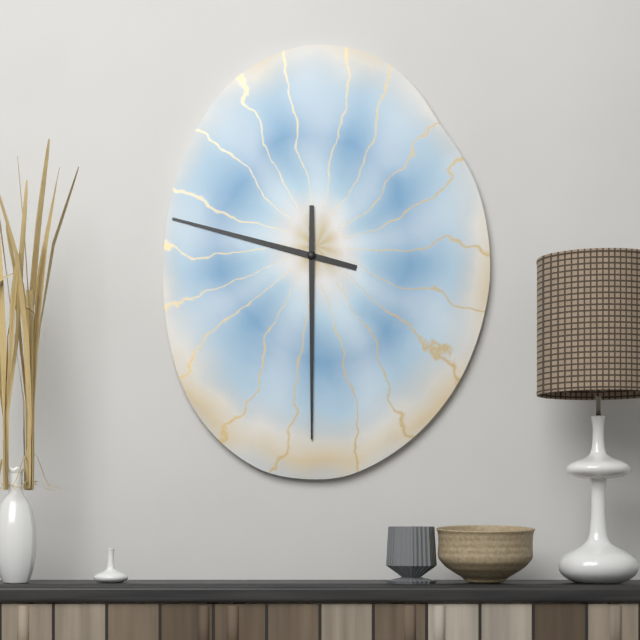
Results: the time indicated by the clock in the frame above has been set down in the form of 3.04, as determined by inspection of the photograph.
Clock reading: 9.30
